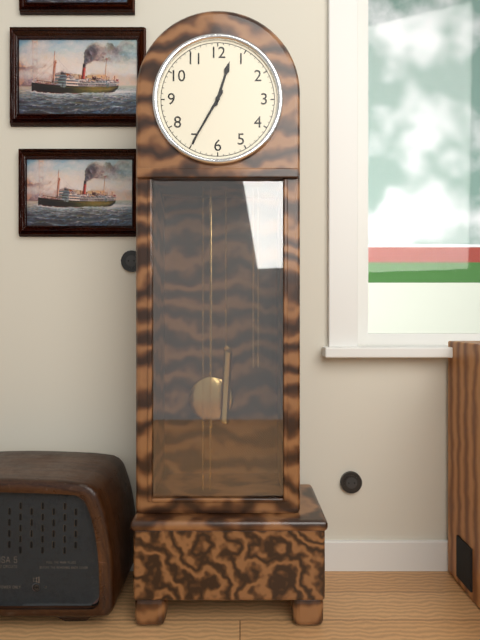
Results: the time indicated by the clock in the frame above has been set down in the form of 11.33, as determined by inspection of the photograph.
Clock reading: 12.35
